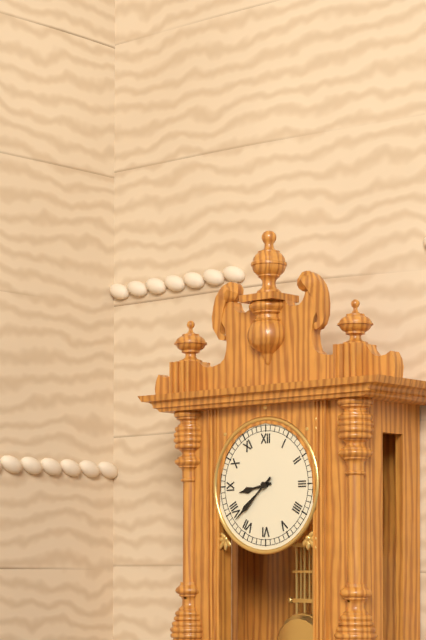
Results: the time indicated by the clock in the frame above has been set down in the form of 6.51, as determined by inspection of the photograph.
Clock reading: 8.38
